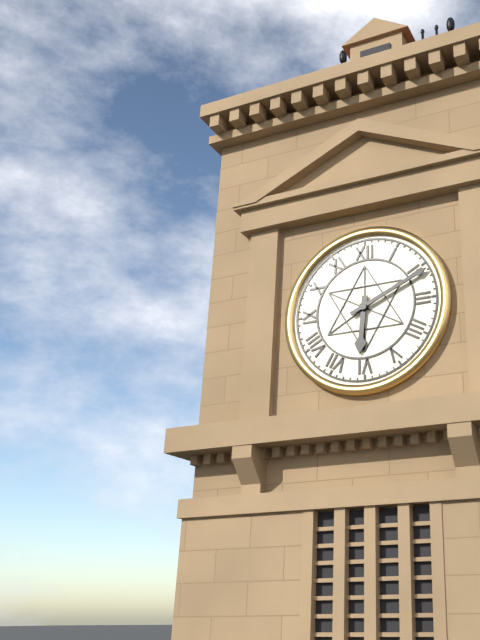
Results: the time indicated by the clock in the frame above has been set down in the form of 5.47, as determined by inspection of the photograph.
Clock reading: 6.11
